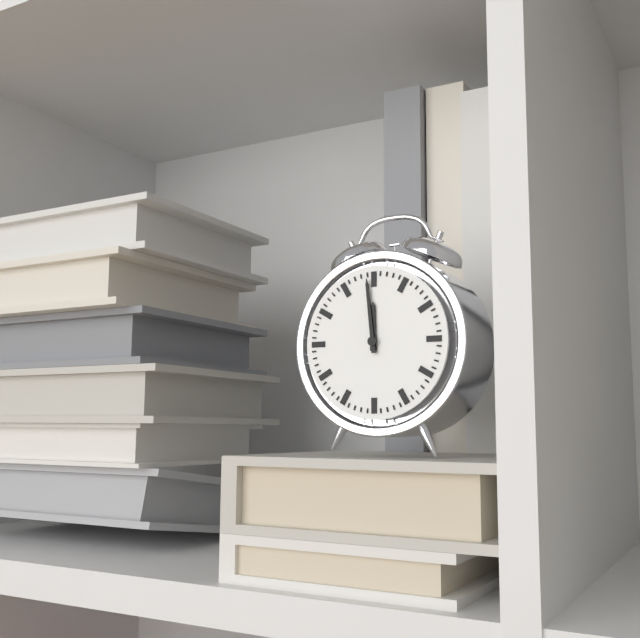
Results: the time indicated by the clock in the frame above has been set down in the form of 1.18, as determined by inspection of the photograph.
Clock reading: 11.59
